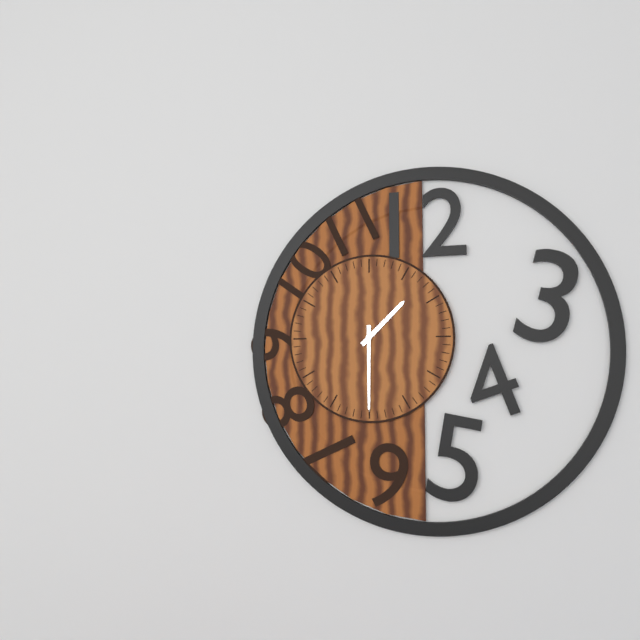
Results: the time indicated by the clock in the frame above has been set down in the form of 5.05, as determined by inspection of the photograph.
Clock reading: 1.30
